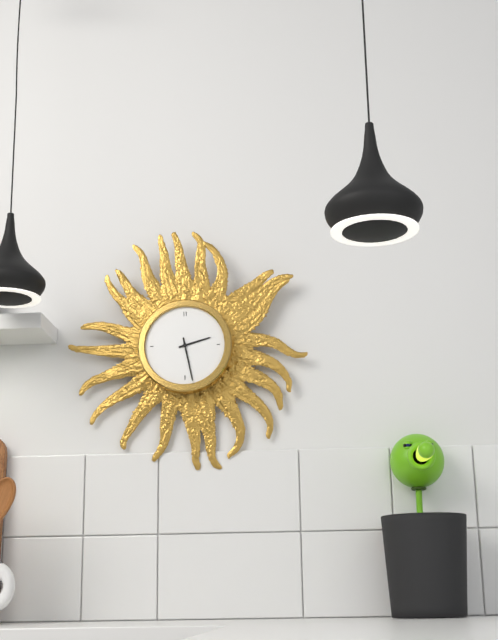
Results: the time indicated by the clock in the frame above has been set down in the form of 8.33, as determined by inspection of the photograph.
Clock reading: 2.28
